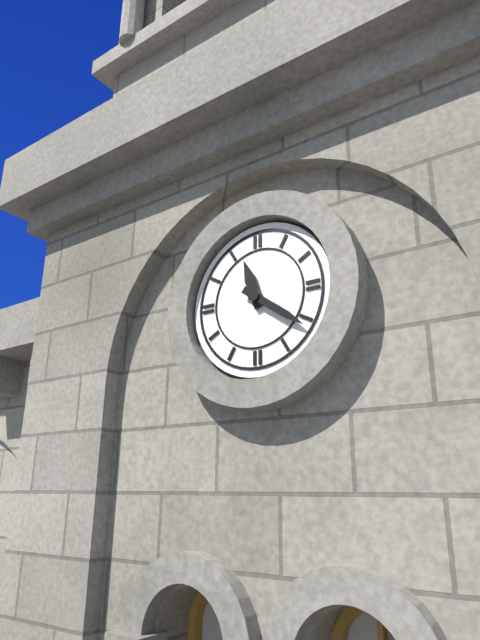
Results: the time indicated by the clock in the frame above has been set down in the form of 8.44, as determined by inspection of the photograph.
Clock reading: 11.21
